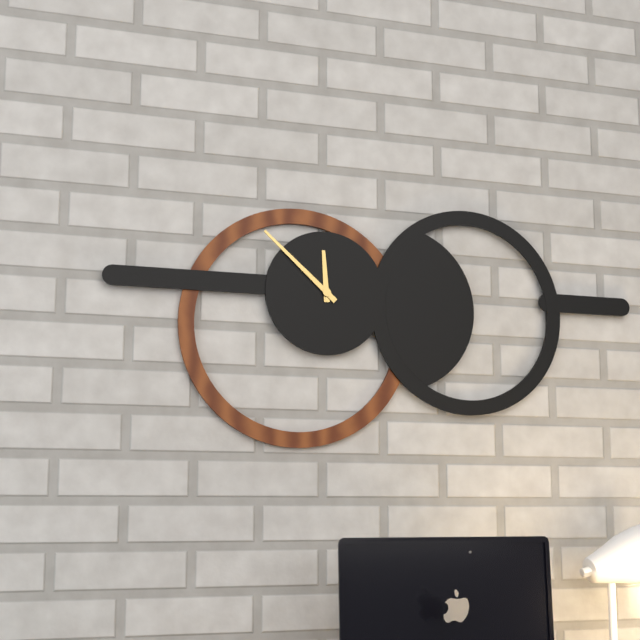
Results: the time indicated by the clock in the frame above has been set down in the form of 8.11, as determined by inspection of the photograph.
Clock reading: 11.52
